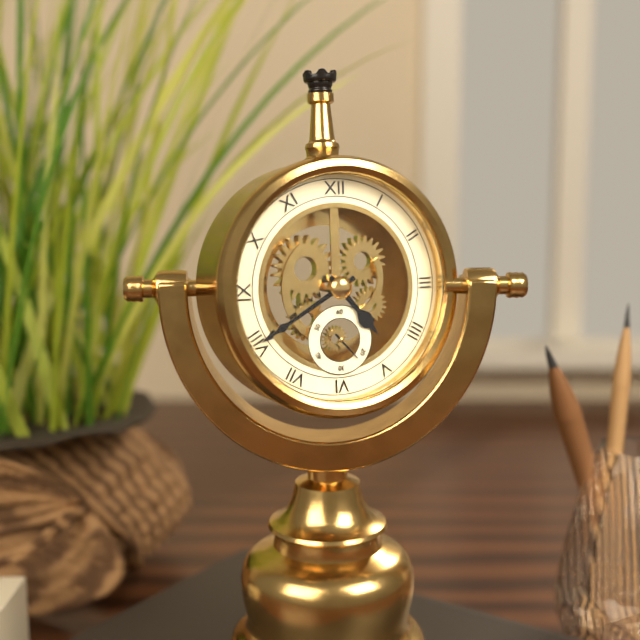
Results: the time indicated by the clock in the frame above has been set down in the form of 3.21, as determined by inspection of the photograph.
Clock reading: 4.40
